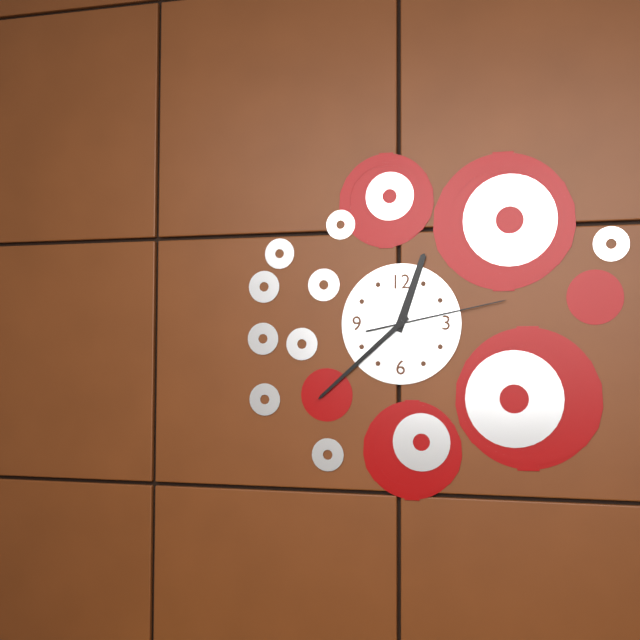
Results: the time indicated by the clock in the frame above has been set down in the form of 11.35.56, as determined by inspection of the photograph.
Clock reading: 12.38.13
